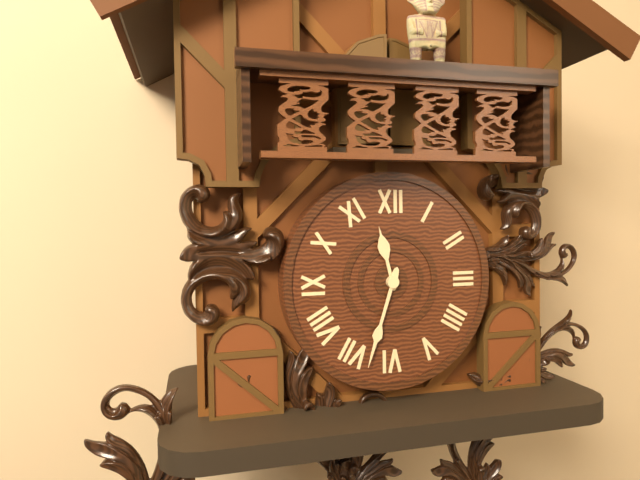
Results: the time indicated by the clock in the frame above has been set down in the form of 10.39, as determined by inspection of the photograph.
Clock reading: 11.33
